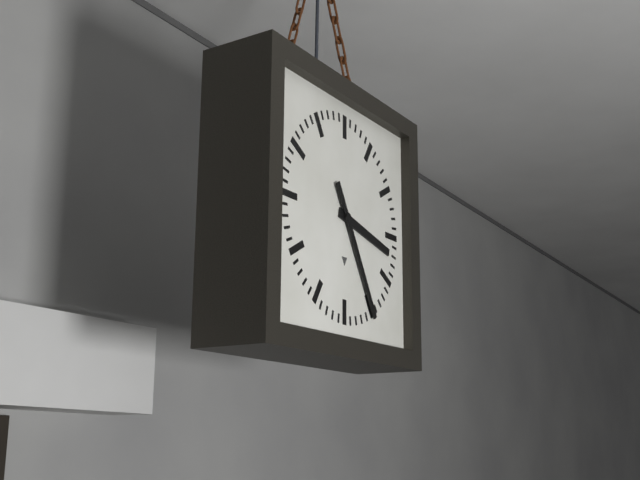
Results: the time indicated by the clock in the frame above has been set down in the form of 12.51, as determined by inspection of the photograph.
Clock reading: 3.25
